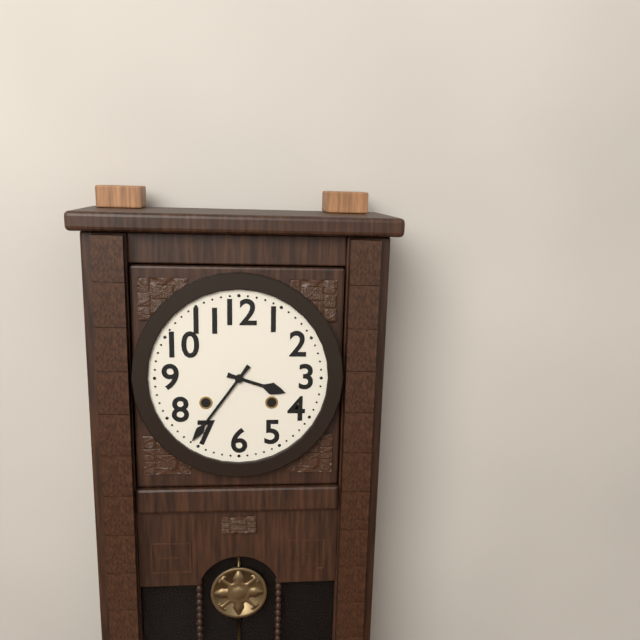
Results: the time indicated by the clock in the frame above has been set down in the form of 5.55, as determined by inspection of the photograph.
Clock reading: 3.36
